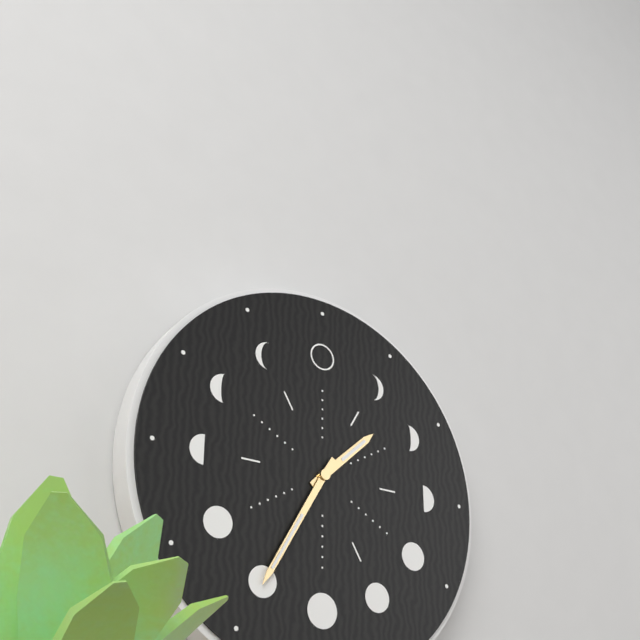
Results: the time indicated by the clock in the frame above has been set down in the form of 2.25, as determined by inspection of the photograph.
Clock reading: 1.35
